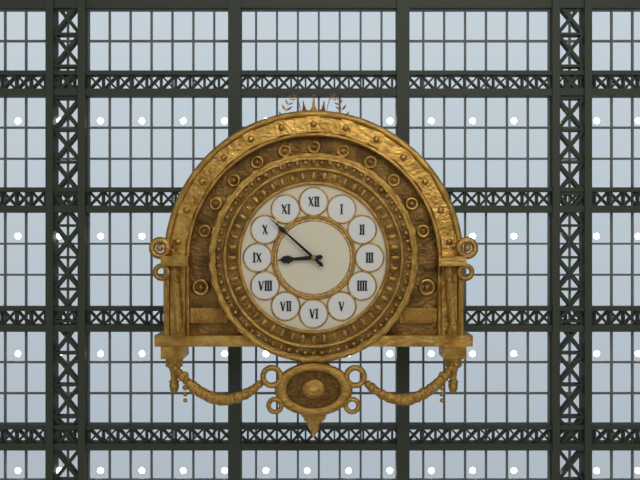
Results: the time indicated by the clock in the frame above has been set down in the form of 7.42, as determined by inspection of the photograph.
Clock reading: 8.52
